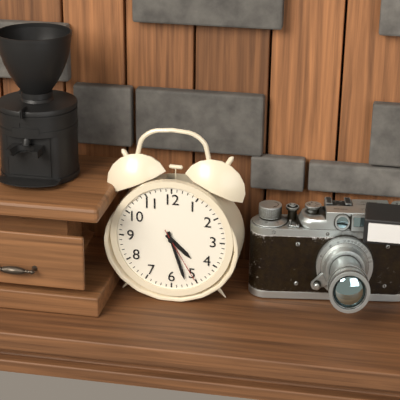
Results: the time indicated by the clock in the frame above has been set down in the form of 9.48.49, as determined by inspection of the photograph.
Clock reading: 4.27.25
